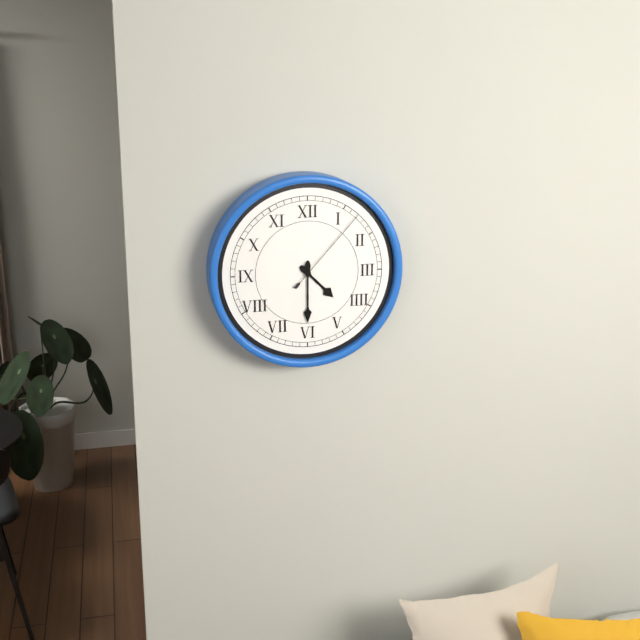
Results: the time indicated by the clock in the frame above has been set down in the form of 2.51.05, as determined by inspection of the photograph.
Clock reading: 4.30.07
